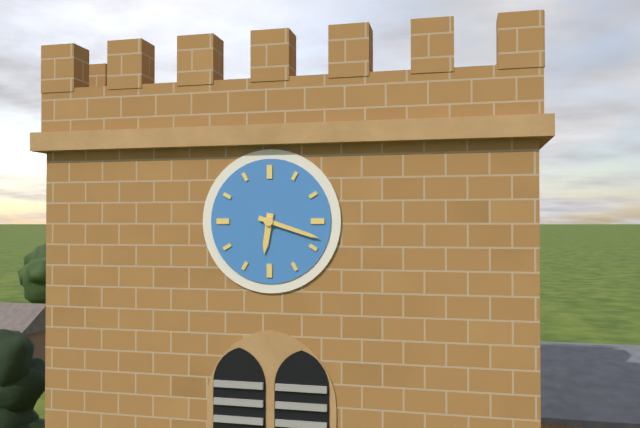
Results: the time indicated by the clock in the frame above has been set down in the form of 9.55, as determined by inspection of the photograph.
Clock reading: 6.18
